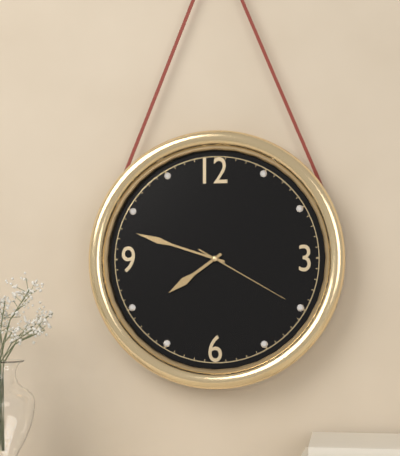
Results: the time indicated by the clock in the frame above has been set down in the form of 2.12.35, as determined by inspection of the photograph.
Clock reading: 7.48.20
